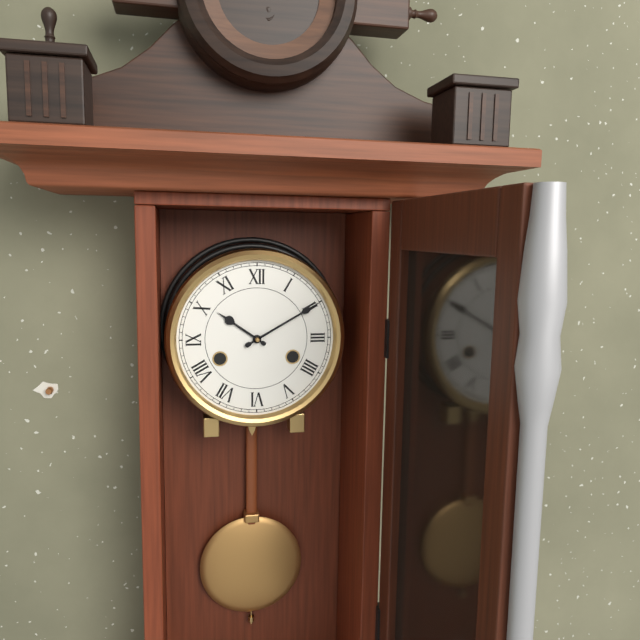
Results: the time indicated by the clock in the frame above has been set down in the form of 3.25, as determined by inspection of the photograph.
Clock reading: 10.10
